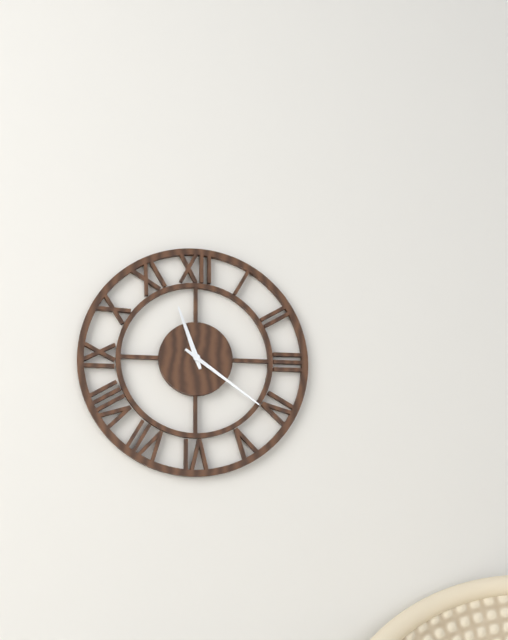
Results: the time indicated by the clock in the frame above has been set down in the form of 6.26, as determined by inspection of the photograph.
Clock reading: 11.21
